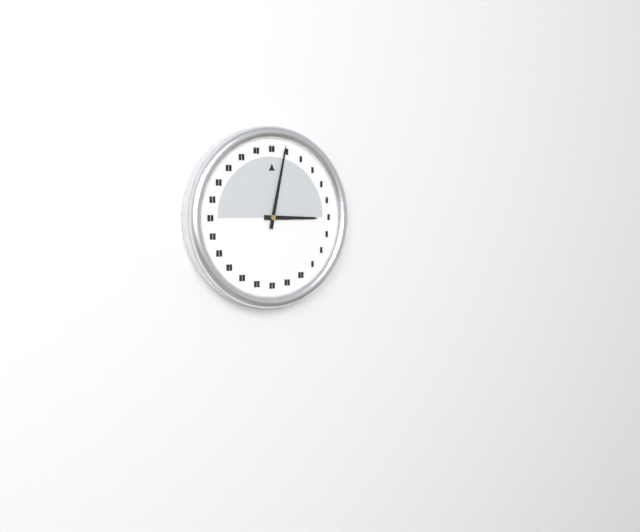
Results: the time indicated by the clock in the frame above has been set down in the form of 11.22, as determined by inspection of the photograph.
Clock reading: 3.02
